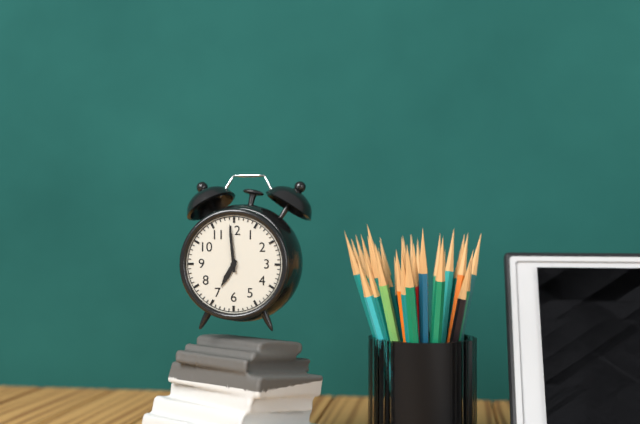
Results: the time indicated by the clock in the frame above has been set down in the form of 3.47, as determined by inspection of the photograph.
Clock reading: 6.59
